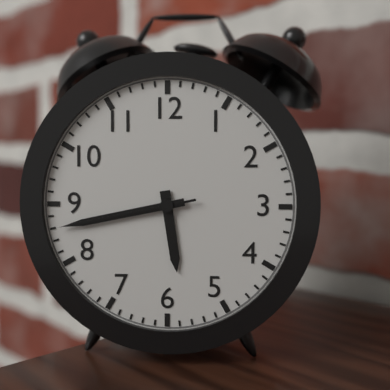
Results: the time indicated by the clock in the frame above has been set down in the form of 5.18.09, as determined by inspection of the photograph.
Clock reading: 5.43.43
